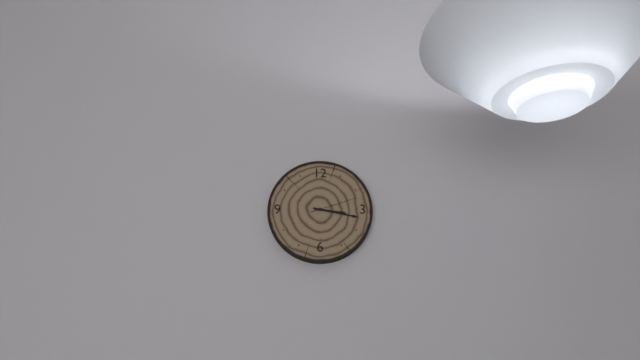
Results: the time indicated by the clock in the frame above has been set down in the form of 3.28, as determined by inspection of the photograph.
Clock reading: 3.17
